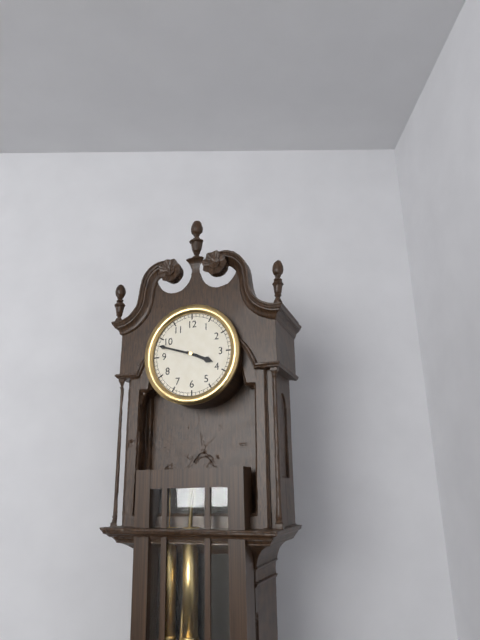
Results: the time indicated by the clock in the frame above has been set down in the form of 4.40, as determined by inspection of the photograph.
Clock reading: 3.48
